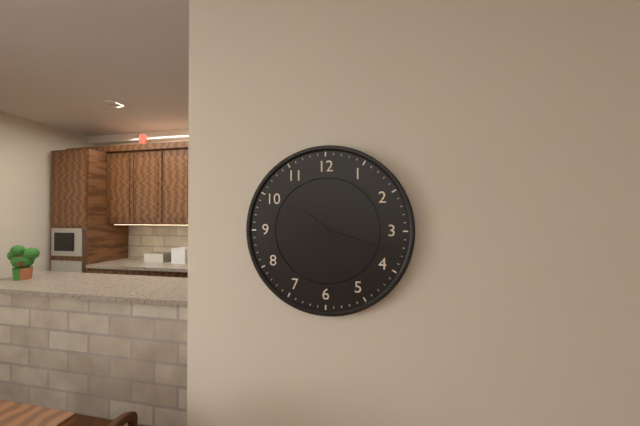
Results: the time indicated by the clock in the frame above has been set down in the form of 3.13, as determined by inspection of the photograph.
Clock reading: 10.18
